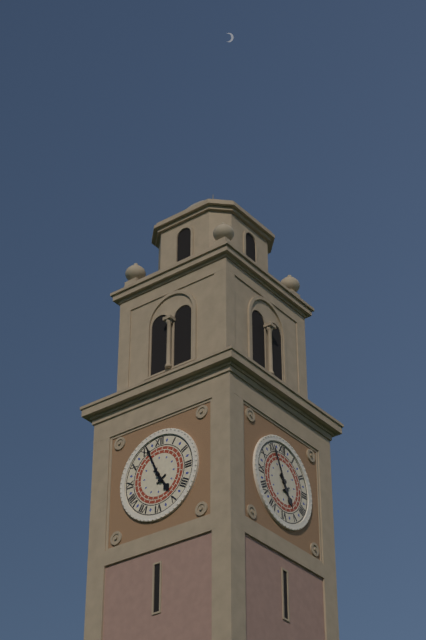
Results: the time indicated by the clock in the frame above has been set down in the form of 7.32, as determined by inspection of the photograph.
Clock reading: 4.56
